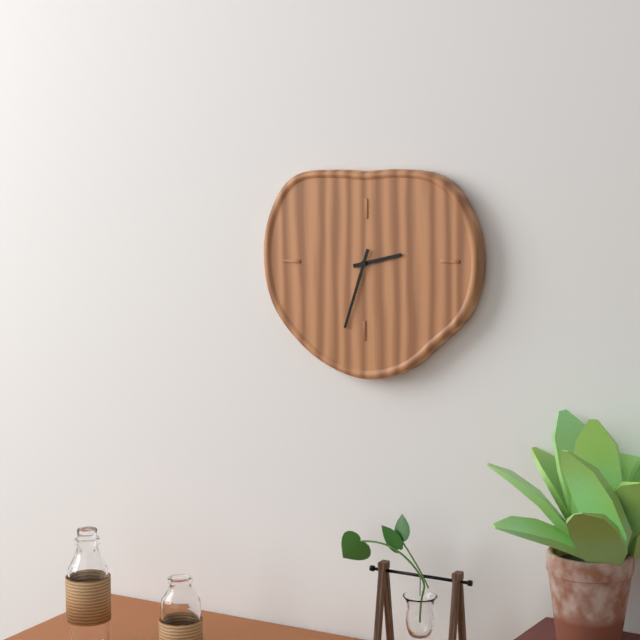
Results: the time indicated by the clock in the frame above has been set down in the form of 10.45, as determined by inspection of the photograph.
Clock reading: 2.33
